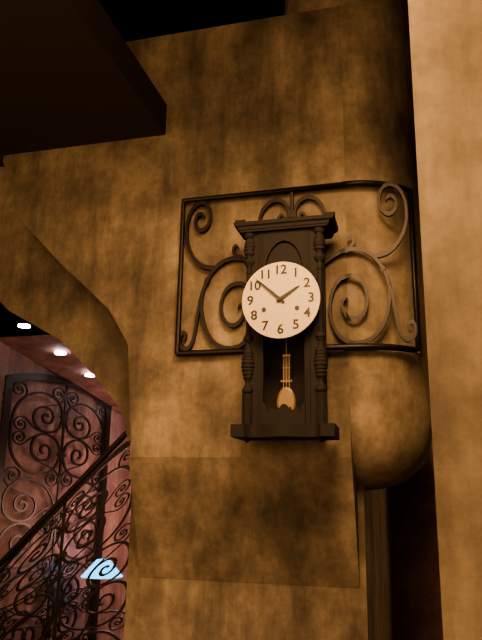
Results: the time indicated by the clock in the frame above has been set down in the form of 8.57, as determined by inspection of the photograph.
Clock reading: 1.52
